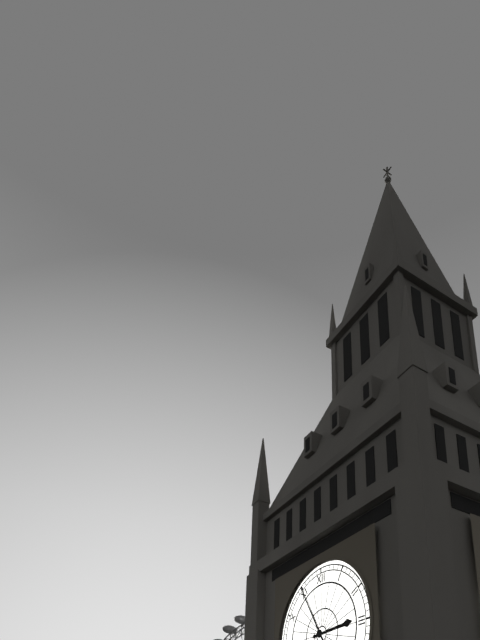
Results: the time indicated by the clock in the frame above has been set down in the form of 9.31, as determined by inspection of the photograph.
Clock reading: 2.55
